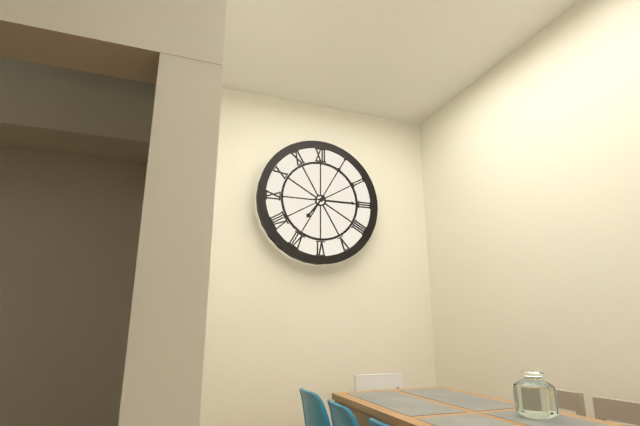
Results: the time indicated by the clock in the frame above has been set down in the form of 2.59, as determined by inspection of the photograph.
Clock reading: 7.15
